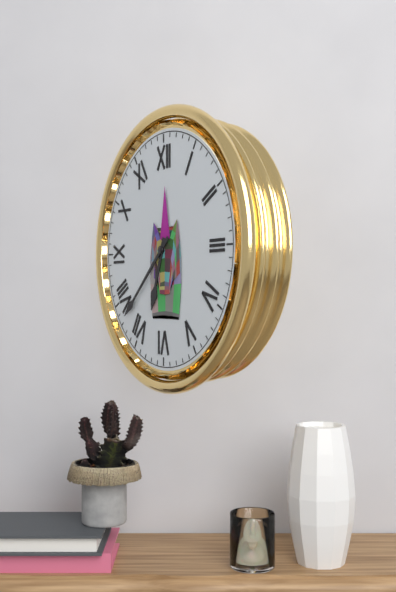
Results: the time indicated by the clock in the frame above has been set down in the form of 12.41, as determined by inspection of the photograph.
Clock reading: 6.38
